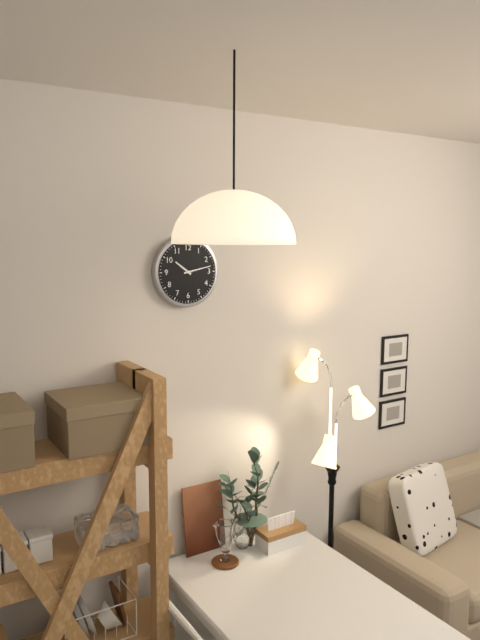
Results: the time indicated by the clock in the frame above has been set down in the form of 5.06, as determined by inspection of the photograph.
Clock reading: 10.13
